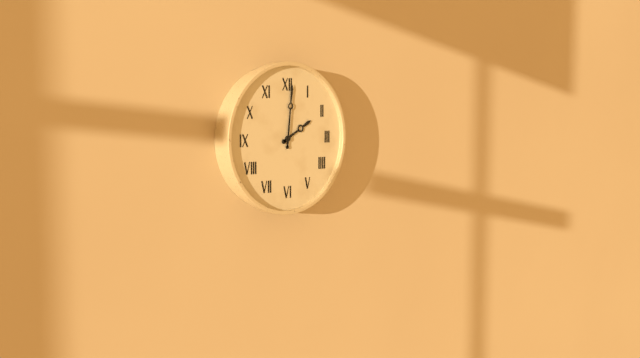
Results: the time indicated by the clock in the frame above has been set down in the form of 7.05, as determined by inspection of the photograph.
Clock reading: 2.01
